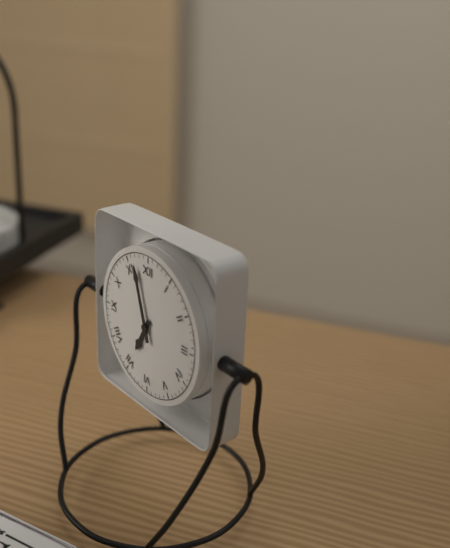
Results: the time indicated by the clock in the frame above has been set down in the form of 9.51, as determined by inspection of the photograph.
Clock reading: 6.57
